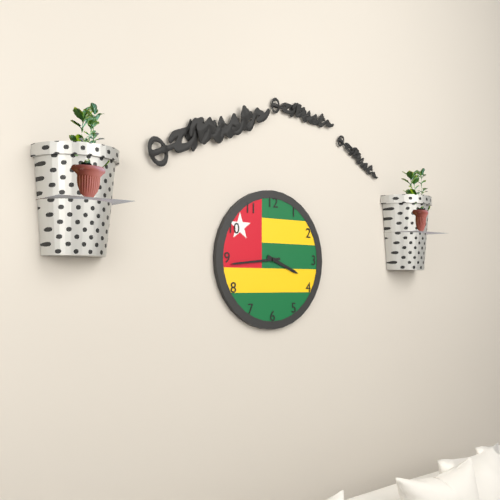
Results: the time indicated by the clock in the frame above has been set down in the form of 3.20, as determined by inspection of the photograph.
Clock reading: 3.44
